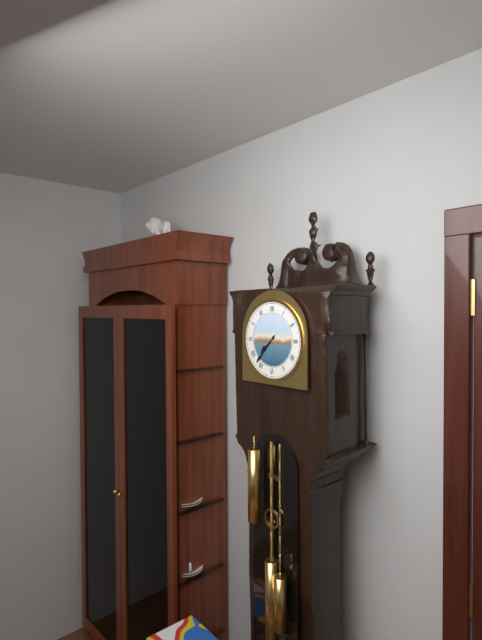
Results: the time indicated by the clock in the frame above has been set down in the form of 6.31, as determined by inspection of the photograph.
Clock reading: 7.37
